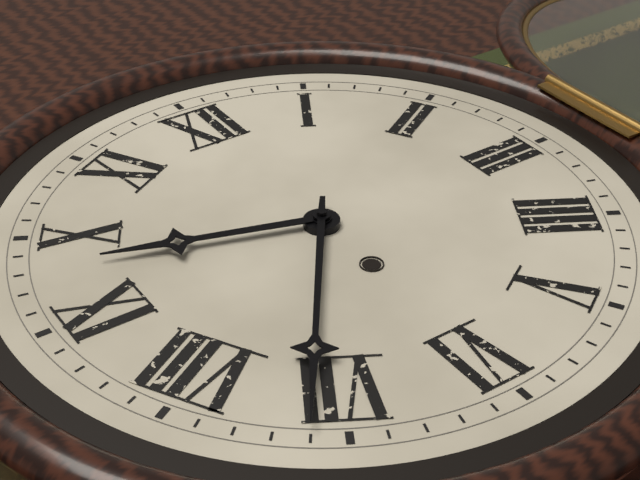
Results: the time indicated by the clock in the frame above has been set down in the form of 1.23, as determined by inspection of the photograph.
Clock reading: 9.36
